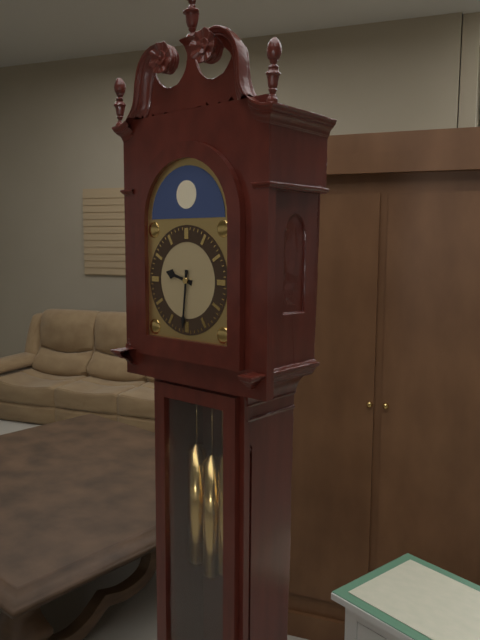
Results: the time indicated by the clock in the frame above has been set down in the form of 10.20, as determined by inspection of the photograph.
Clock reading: 9.31
